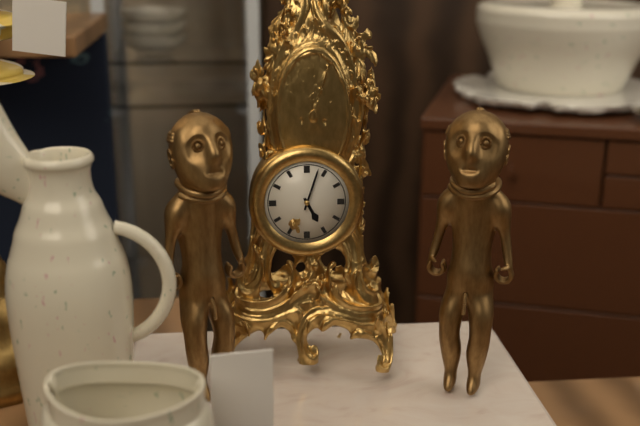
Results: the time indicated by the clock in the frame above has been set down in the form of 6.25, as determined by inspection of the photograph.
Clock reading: 5.03
